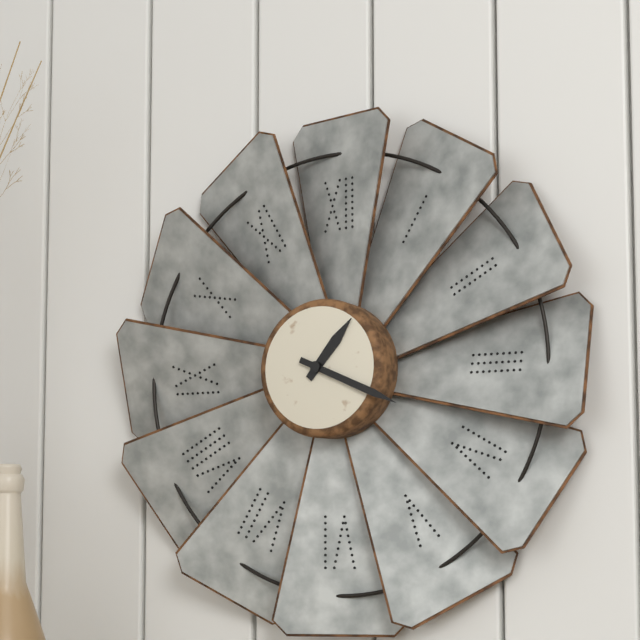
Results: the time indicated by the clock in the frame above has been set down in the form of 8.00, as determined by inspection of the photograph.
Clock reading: 1.19
